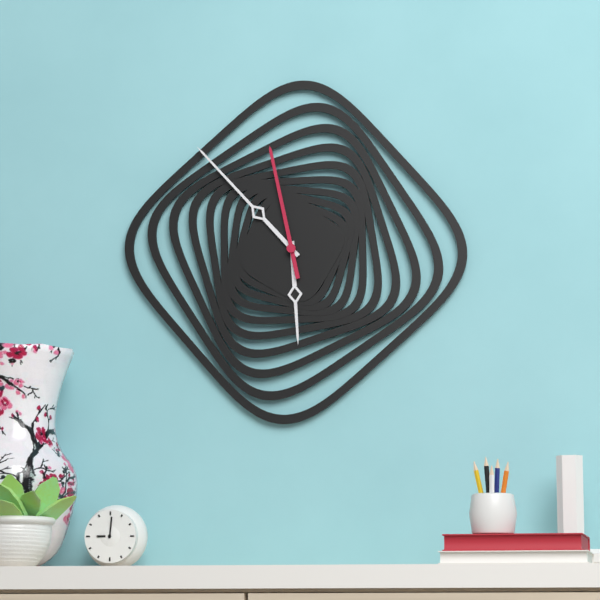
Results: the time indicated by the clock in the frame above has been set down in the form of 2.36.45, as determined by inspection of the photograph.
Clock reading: 5.53.58
